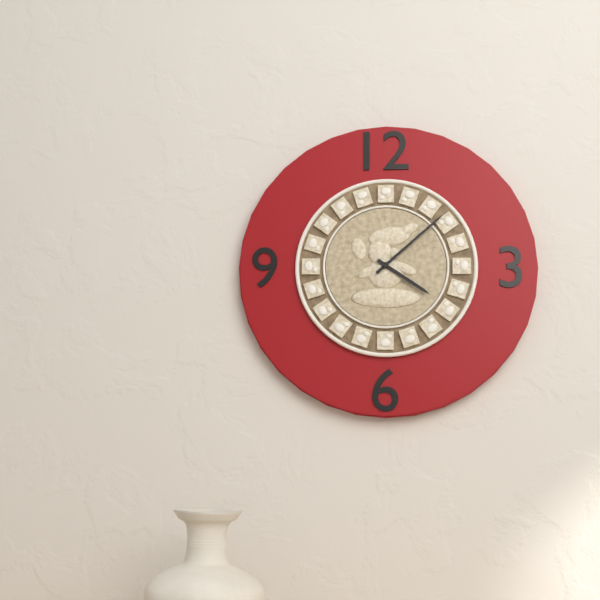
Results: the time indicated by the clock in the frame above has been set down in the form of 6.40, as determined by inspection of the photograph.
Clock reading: 4.08
